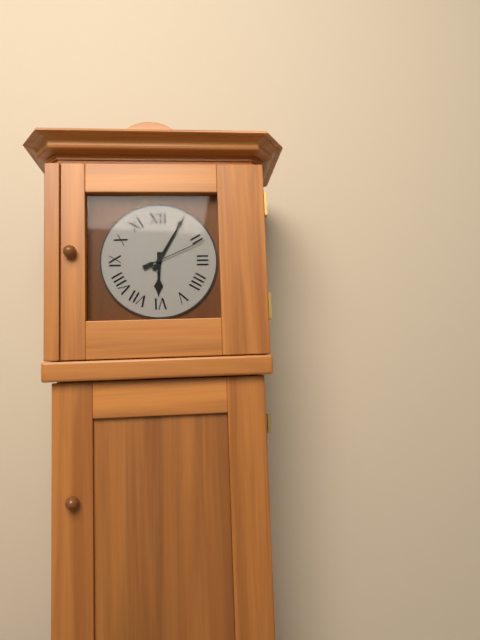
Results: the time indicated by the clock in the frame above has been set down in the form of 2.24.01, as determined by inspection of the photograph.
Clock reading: 6.05.11
